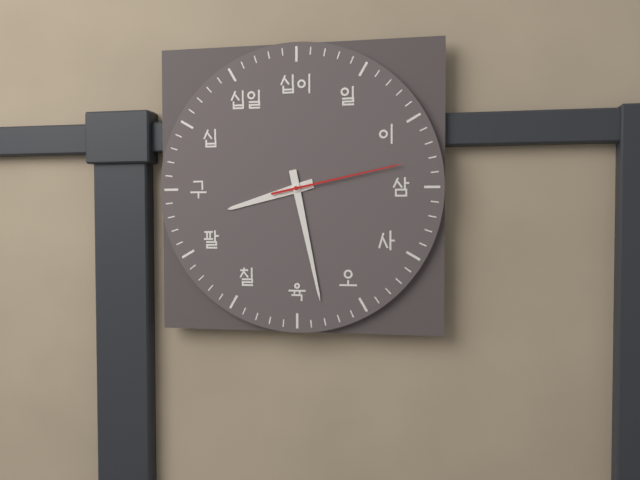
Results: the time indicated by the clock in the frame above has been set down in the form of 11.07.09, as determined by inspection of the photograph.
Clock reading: 8.28.13
